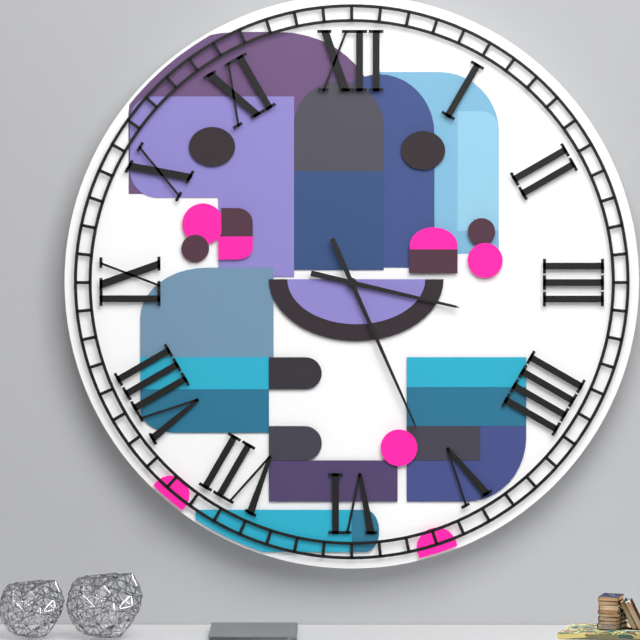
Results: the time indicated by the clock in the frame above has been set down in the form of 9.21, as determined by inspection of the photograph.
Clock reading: 3.26
